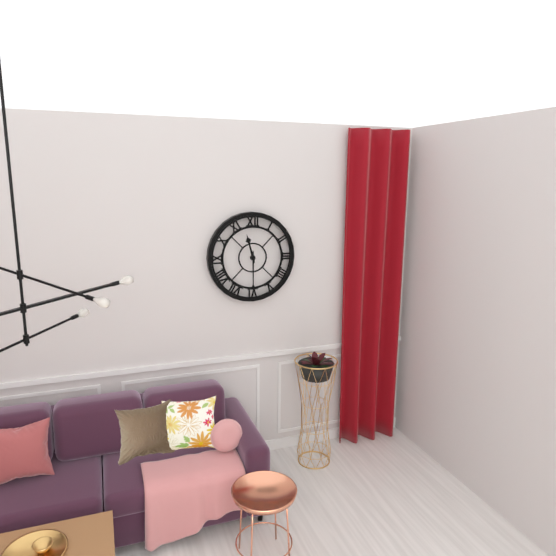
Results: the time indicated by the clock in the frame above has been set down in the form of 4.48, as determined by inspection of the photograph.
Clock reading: 11.30
